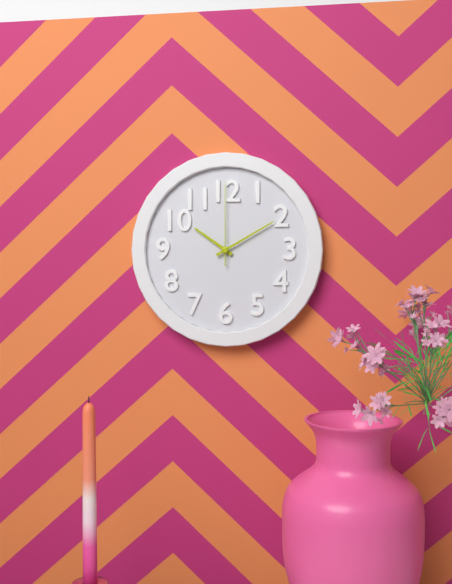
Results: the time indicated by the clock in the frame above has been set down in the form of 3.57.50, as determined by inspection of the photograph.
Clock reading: 10.10.00
